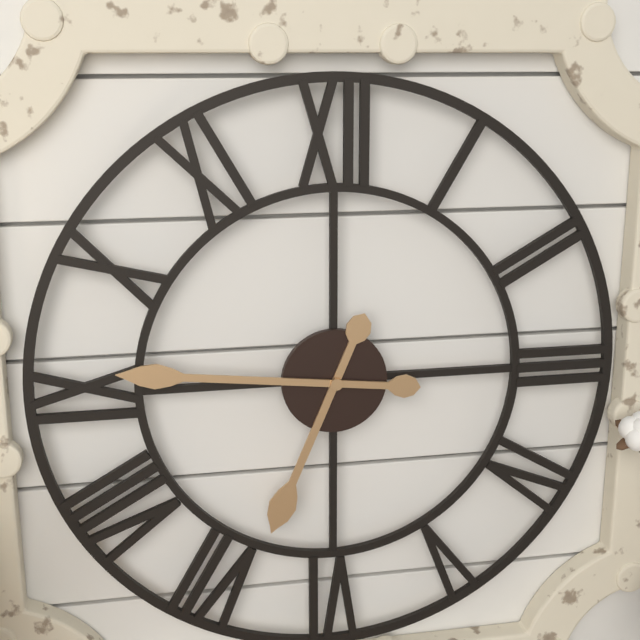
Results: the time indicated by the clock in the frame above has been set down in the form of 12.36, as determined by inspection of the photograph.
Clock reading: 6.46
